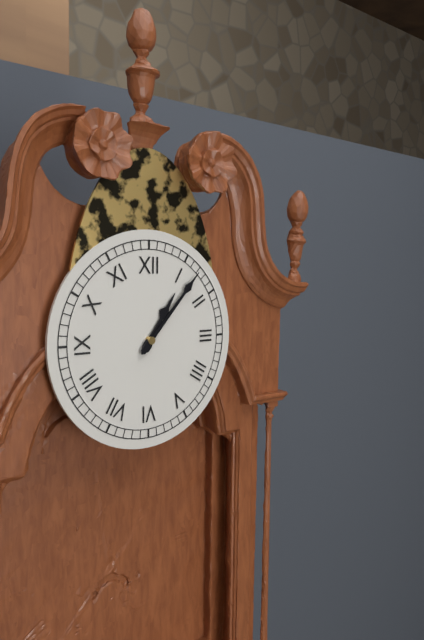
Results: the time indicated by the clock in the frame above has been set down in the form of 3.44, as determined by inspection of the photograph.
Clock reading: 1.07
